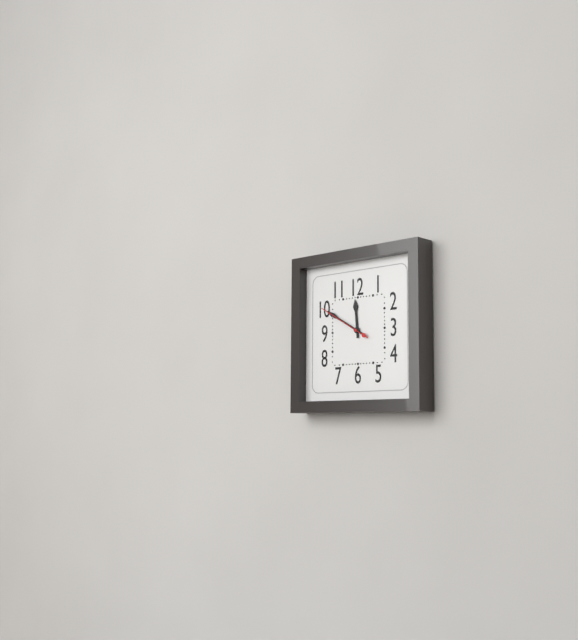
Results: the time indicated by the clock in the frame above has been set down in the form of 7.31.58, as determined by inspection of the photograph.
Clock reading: 11.50.50
